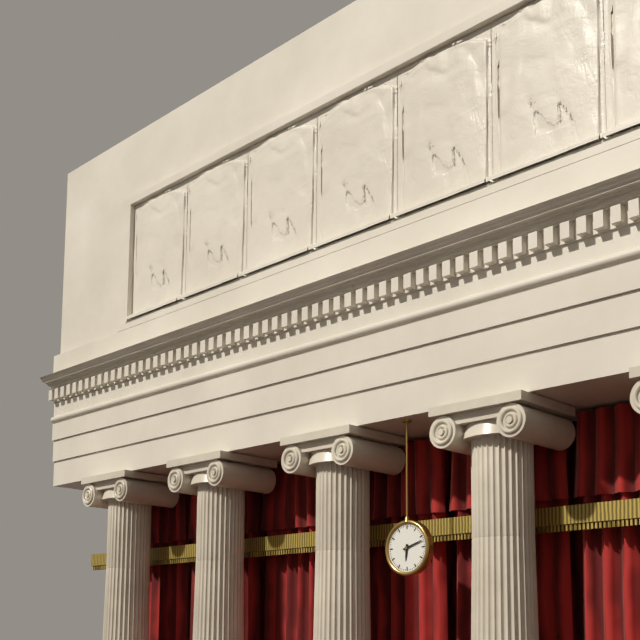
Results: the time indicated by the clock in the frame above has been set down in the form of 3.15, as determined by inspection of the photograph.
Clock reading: 6.12
